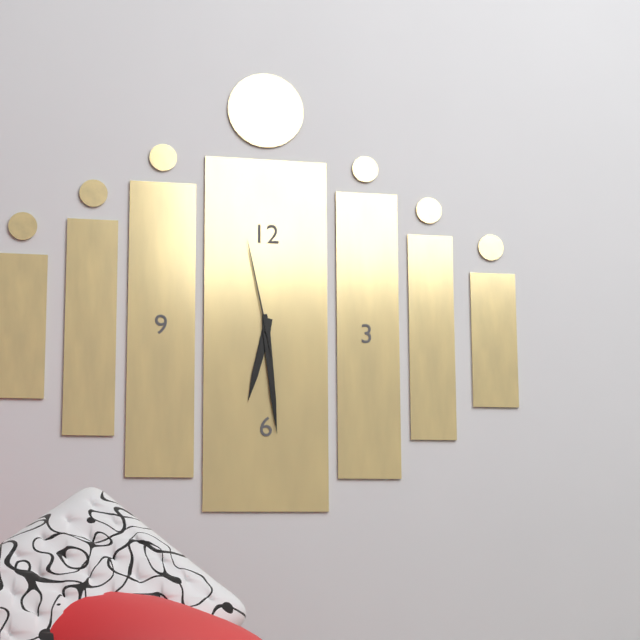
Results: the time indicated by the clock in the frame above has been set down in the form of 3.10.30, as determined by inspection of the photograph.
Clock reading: 6.29.58
